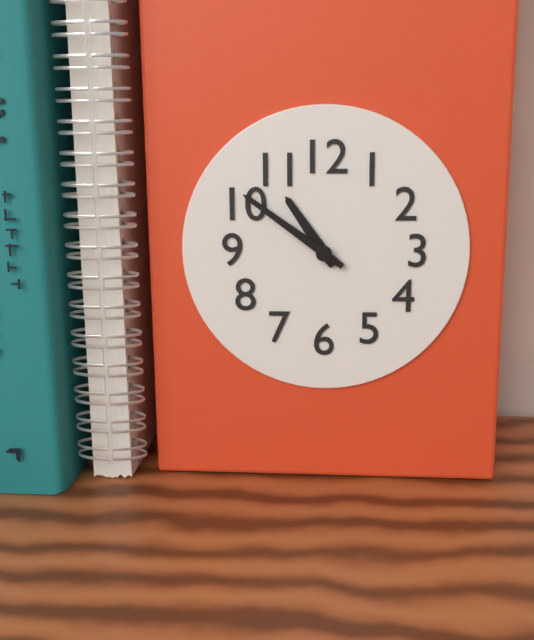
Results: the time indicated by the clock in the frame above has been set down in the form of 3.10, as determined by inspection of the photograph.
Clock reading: 10.51
